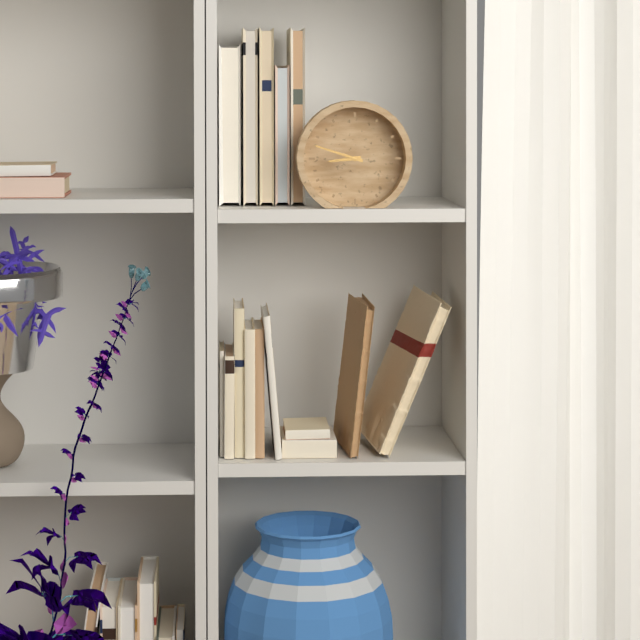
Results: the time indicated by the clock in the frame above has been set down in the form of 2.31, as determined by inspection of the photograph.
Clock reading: 8.48
